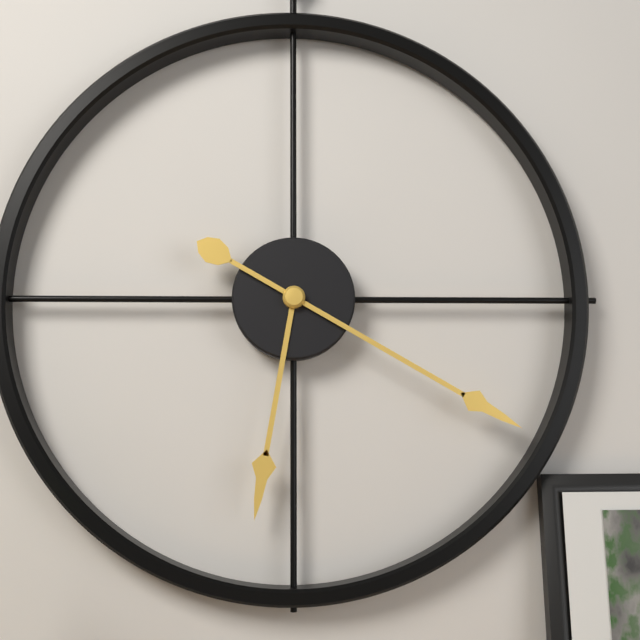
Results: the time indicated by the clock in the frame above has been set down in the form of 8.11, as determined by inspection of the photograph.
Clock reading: 6.20
